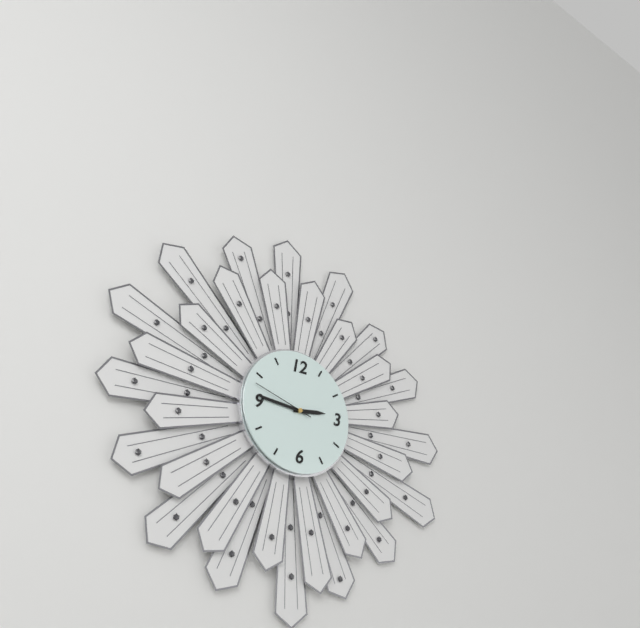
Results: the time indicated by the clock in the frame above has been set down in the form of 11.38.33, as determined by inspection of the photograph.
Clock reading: 2.46.48
